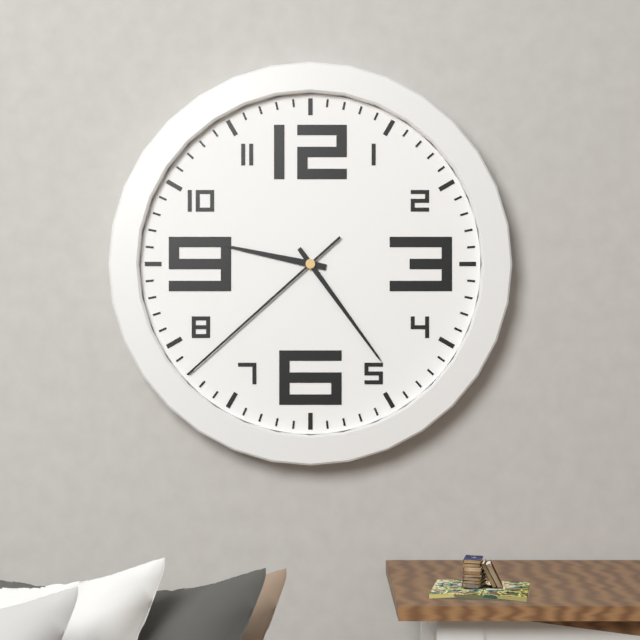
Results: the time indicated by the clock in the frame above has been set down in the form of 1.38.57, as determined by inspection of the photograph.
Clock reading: 9.24.38
